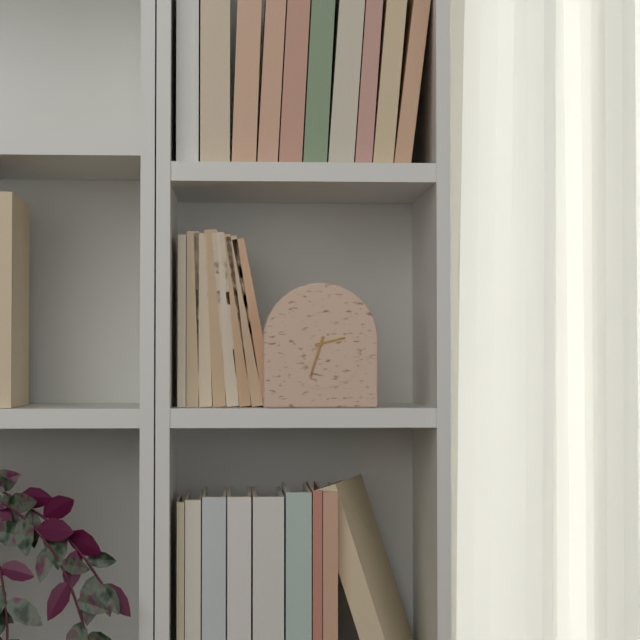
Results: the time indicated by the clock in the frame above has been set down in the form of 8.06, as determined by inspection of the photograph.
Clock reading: 2.33
